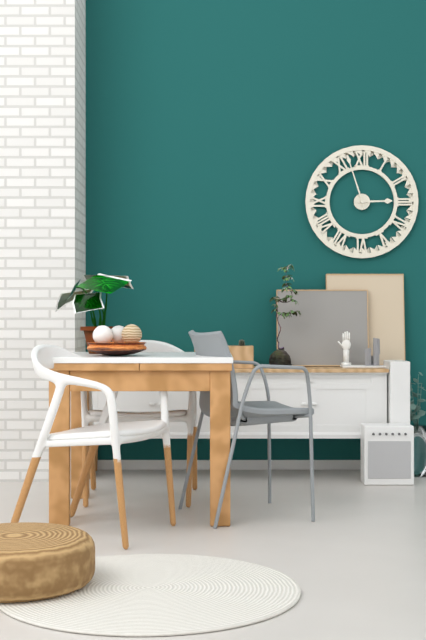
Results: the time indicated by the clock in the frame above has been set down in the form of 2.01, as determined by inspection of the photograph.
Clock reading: 2.57
